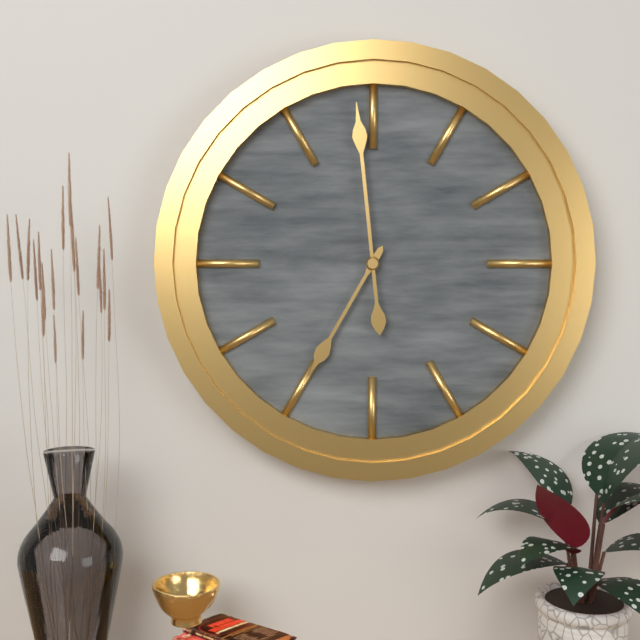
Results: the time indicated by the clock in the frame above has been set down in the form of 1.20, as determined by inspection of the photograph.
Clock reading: 6.59
